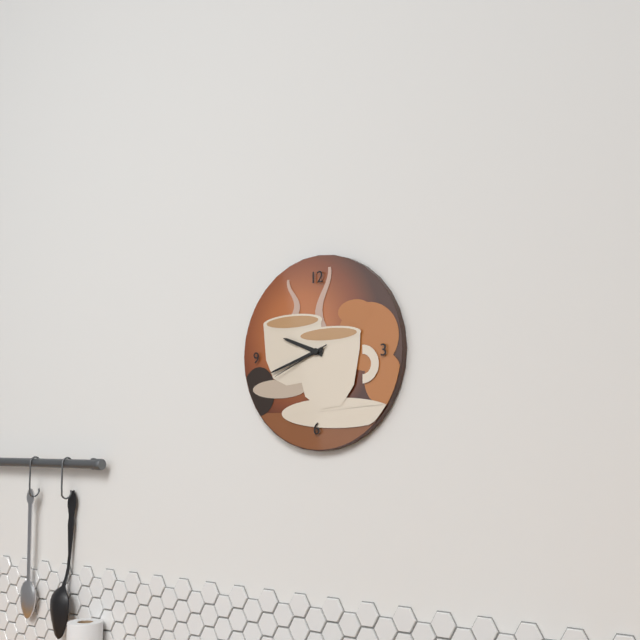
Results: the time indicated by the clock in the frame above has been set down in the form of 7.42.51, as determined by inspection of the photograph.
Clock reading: 9.42.41
